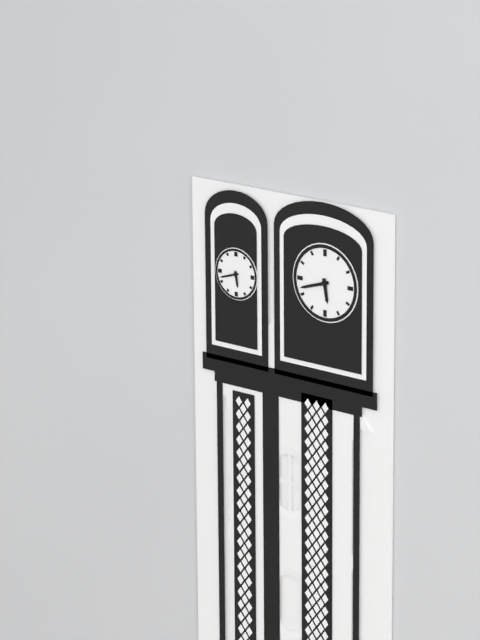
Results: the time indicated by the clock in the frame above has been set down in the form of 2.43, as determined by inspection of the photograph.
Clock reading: 5.42
